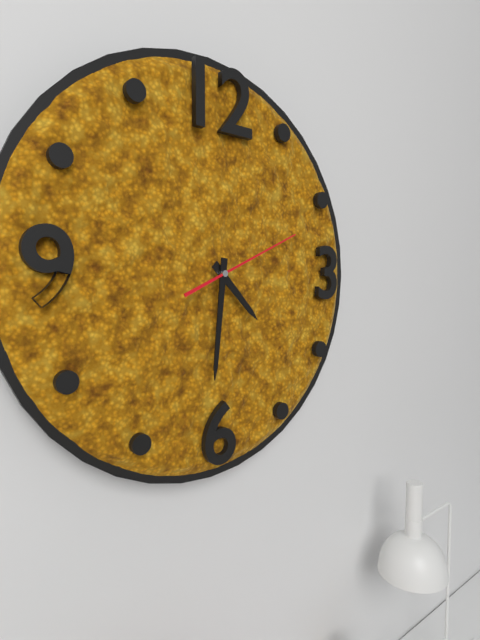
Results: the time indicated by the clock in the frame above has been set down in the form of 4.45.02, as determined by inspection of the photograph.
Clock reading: 4.31.11
